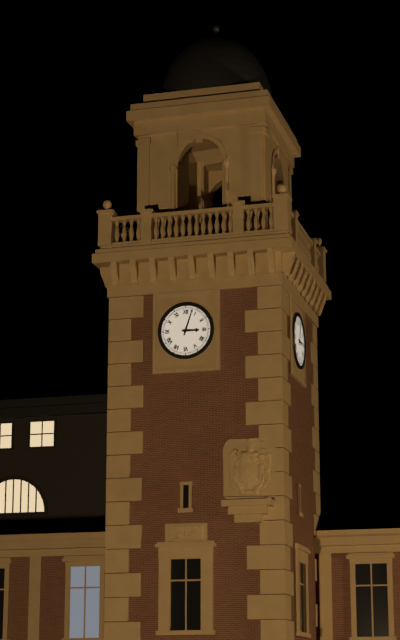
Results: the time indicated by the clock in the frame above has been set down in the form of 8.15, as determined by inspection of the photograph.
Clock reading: 3.03
